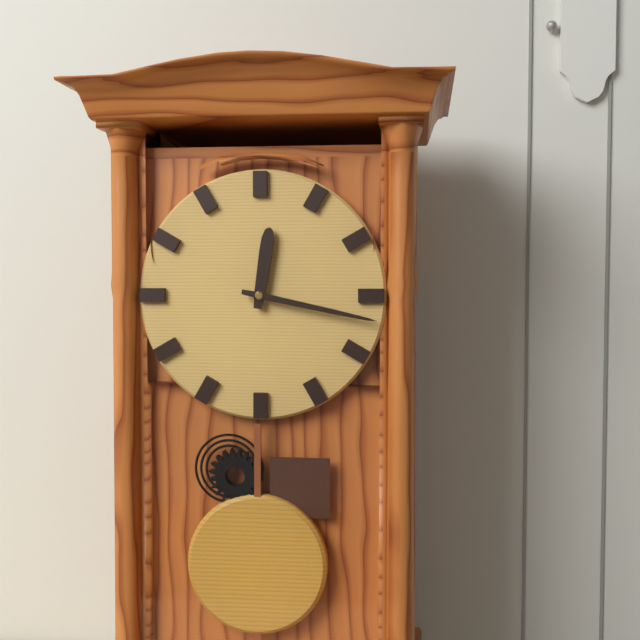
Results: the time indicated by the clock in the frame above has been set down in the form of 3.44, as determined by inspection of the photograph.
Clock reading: 12.17
